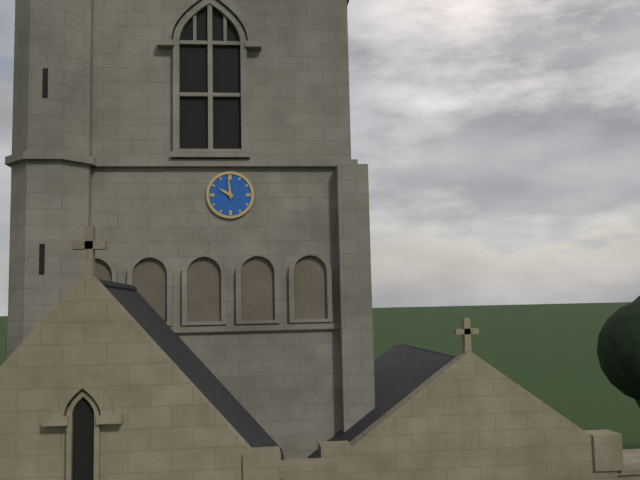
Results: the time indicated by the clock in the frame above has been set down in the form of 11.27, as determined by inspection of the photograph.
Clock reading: 9.59
